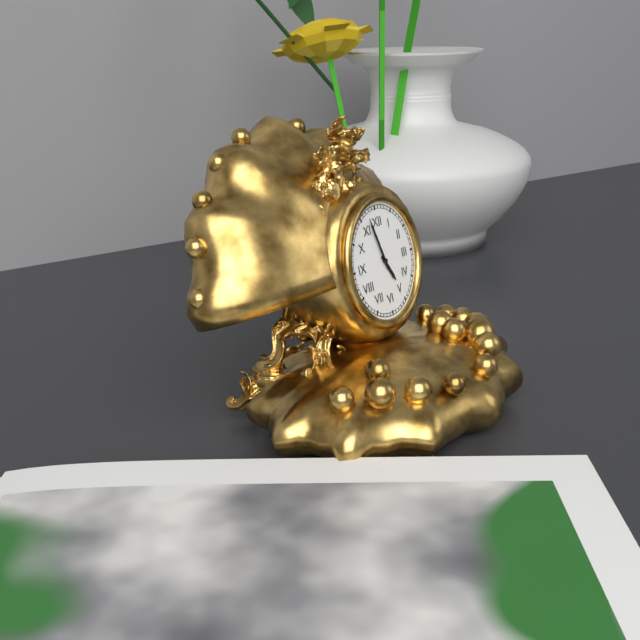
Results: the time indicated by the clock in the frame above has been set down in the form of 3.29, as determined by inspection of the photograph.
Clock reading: 4.57
